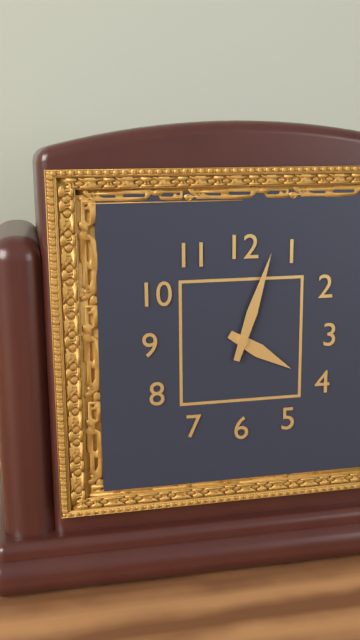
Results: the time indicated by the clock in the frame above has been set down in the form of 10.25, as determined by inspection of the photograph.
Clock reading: 4.03
